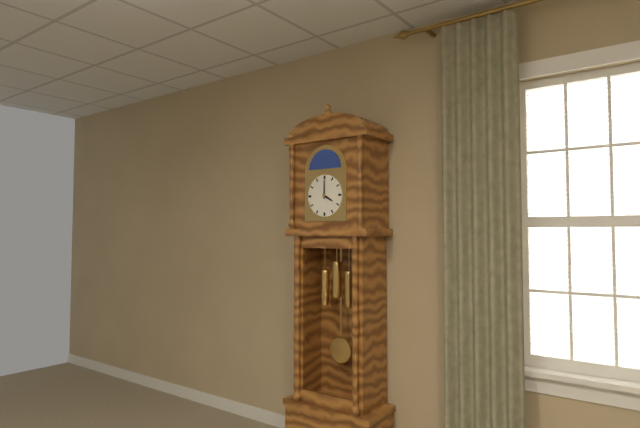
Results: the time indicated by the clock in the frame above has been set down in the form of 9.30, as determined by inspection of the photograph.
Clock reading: 4.00
